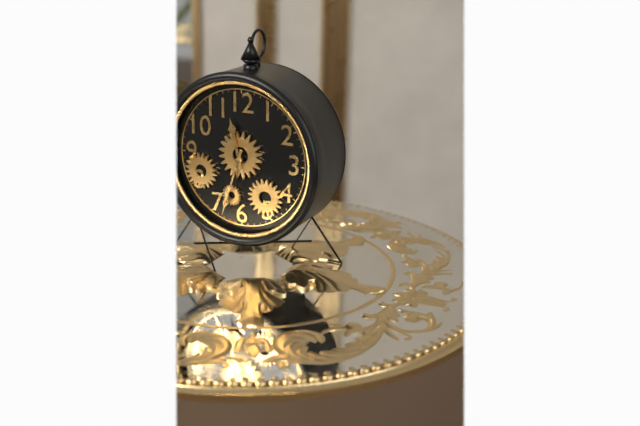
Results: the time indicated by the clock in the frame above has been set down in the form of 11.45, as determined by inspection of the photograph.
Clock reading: 11.33
